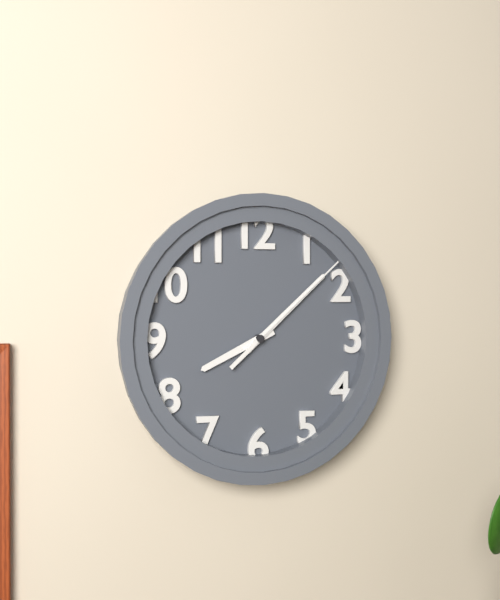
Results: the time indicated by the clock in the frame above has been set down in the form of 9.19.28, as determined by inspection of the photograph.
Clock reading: 8.08.08
